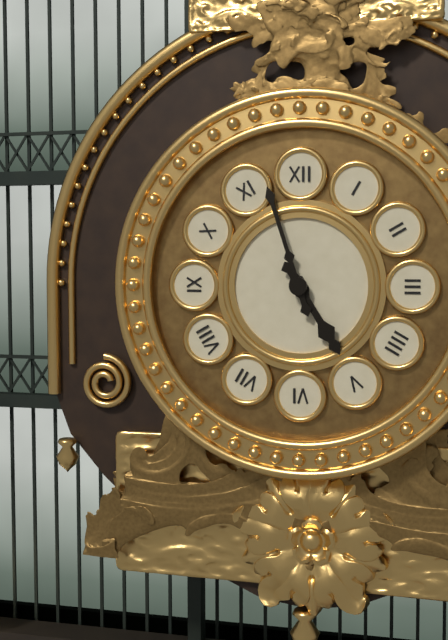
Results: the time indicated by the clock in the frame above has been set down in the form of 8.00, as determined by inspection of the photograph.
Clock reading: 4.57
